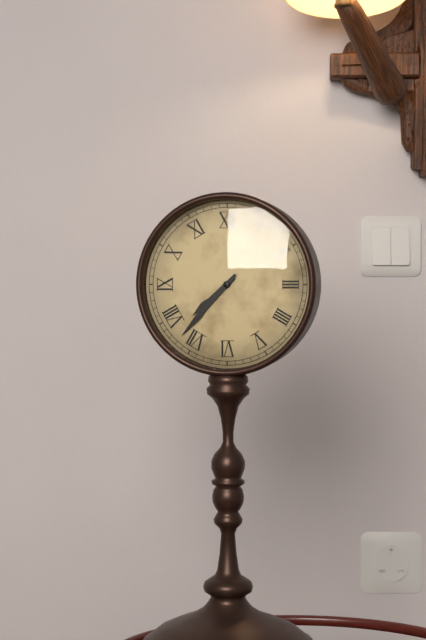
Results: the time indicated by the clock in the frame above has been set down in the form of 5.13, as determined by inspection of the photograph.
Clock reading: 7.37
